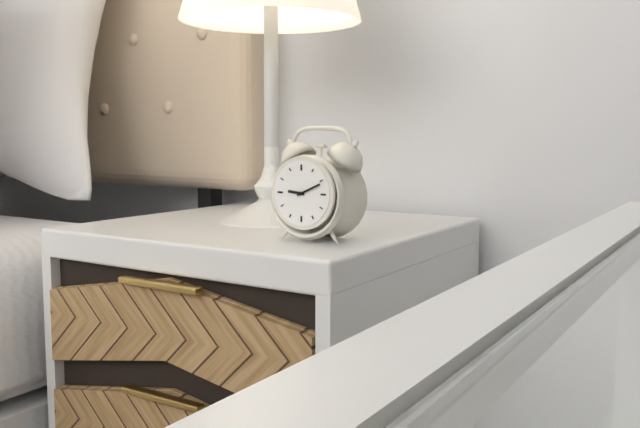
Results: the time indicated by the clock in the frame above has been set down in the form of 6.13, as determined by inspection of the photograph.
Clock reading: 9.11
